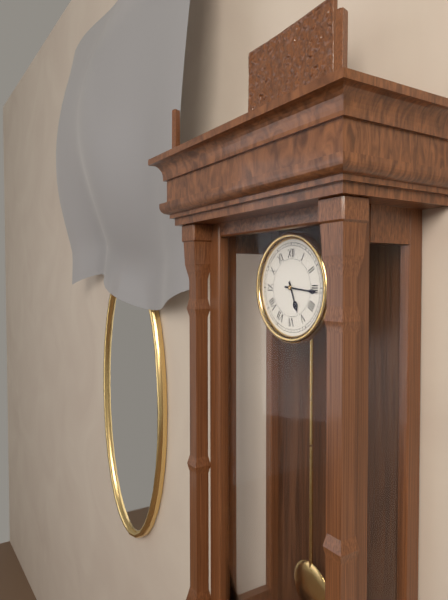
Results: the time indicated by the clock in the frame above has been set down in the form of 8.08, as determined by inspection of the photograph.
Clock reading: 5.16
